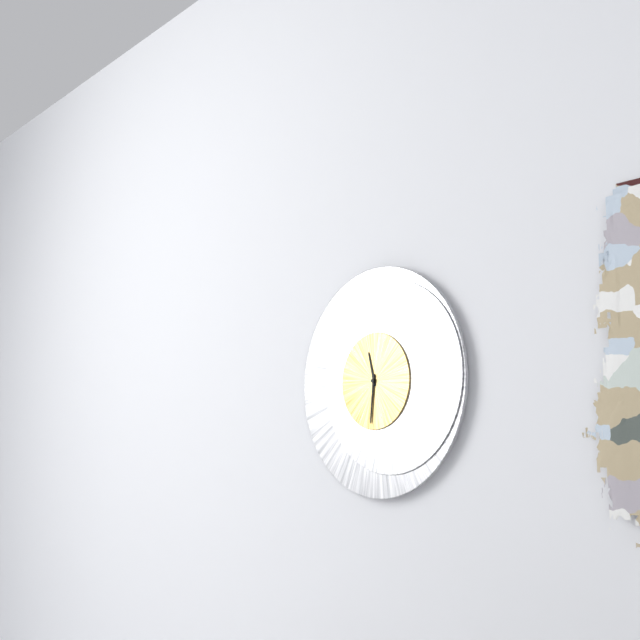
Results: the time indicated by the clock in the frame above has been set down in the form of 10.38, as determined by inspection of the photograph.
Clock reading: 11.31
